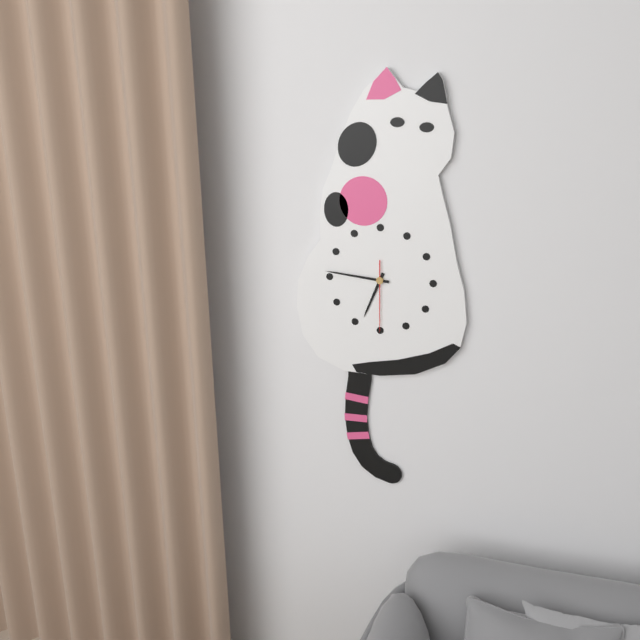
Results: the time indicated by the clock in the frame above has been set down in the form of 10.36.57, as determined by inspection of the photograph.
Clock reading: 6.46.30
